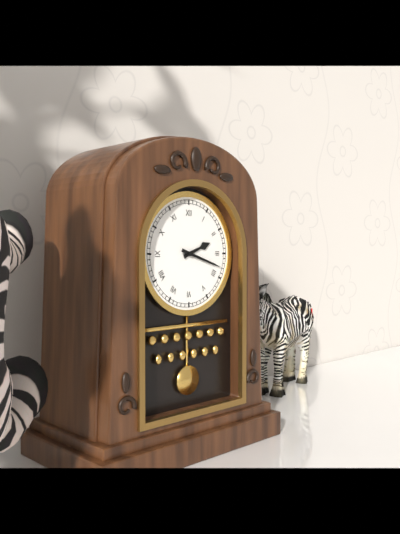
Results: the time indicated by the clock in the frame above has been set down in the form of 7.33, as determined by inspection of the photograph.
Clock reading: 2.18
